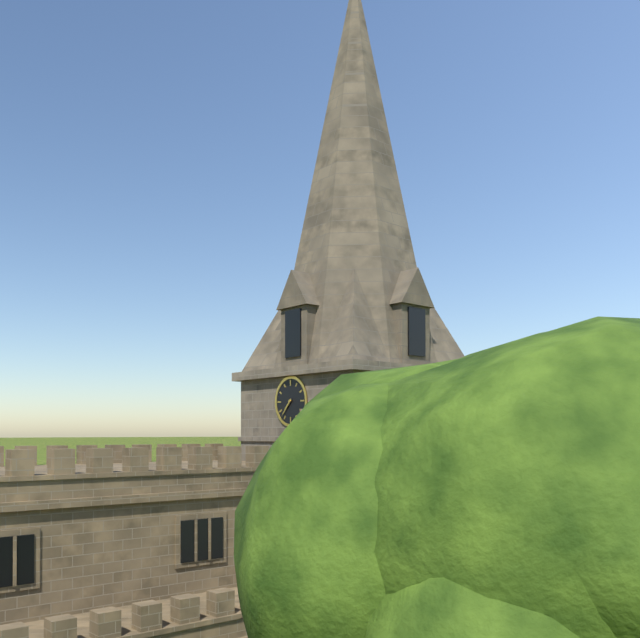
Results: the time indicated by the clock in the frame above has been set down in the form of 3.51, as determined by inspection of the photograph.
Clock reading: 7.37
